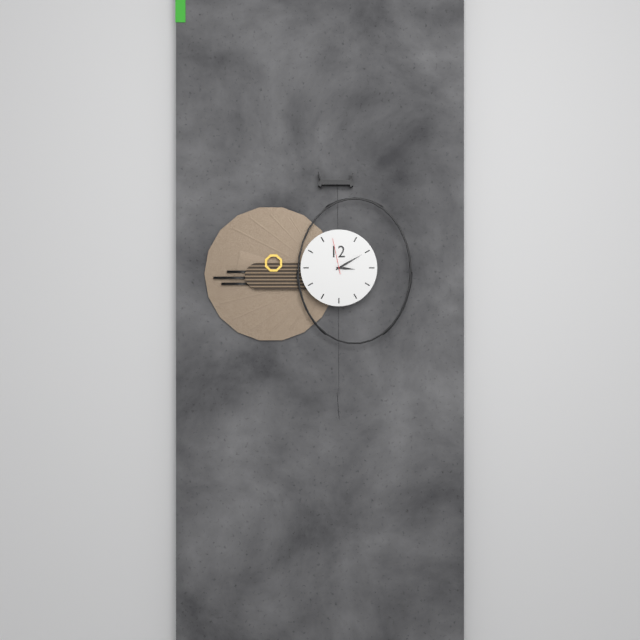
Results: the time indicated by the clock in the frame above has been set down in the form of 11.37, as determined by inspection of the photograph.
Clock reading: 3.10
